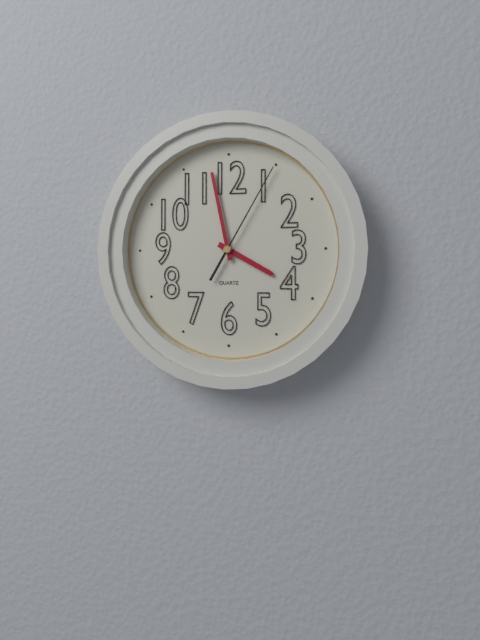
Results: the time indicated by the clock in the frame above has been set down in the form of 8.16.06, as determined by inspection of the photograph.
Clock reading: 3.58.05
